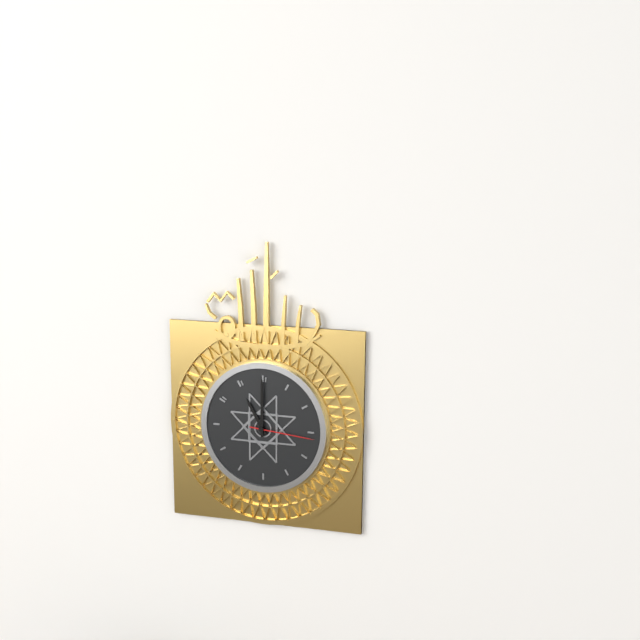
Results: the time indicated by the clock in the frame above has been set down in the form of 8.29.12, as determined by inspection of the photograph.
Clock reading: 11.00.16
